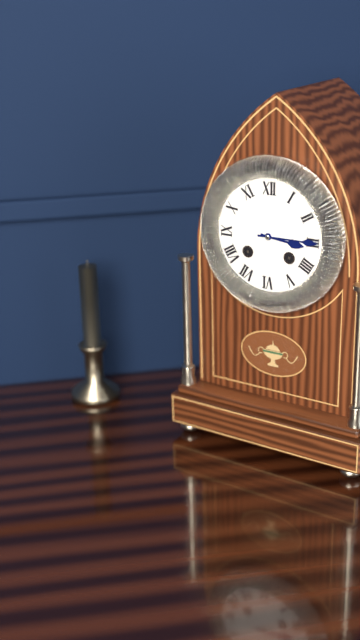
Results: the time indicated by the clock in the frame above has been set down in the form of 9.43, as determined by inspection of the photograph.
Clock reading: 3.15
